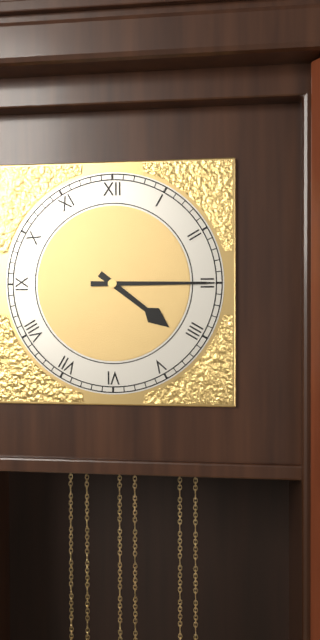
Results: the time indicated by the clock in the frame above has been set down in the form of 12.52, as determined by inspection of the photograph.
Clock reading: 4.15
